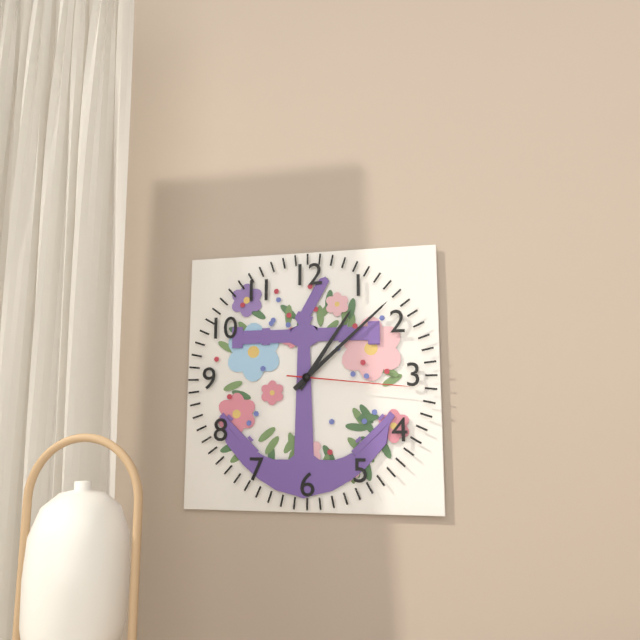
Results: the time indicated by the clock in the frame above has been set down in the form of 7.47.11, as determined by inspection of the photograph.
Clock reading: 1.08.16
